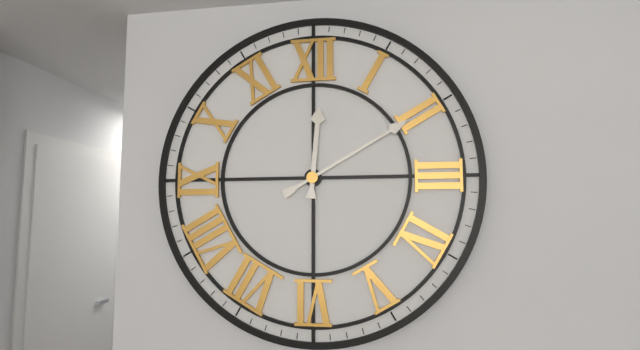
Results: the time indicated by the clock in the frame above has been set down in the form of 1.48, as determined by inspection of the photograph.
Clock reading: 12.10
